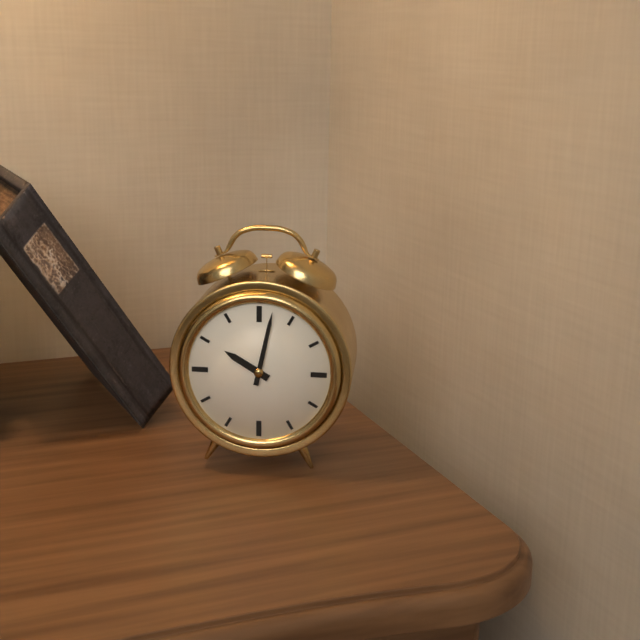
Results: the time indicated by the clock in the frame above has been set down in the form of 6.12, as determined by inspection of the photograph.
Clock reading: 10.02
